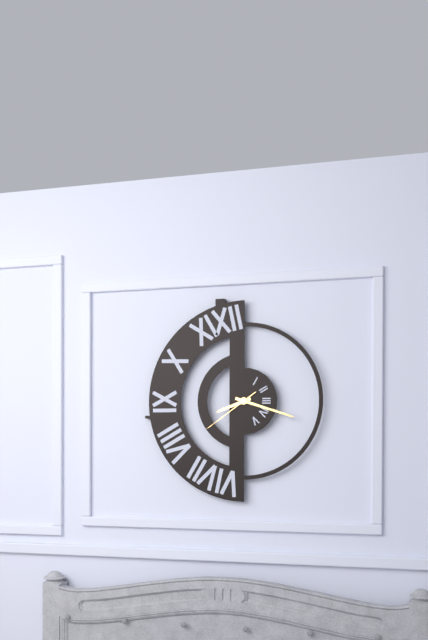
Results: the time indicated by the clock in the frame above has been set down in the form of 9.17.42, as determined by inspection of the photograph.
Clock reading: 8.18.39
